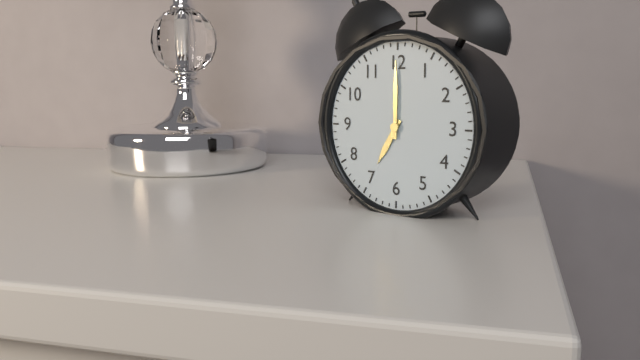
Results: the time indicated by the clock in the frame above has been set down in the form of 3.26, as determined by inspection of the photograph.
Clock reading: 7.00
